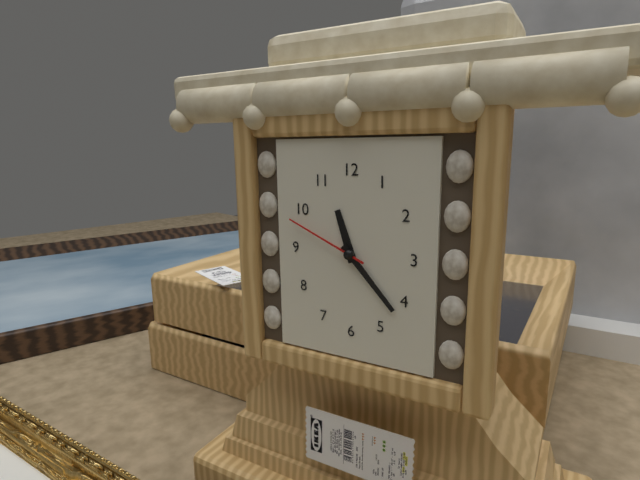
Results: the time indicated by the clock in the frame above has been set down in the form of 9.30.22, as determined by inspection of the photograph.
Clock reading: 11.23.49
